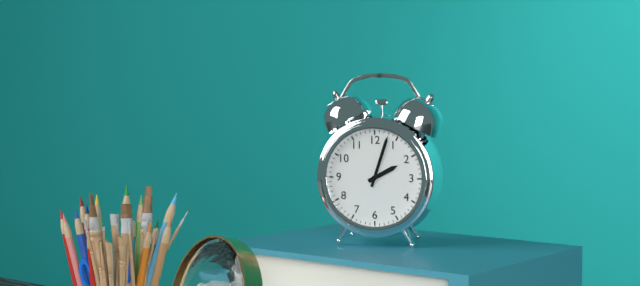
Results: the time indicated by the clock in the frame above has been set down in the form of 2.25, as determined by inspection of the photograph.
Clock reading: 2.03
